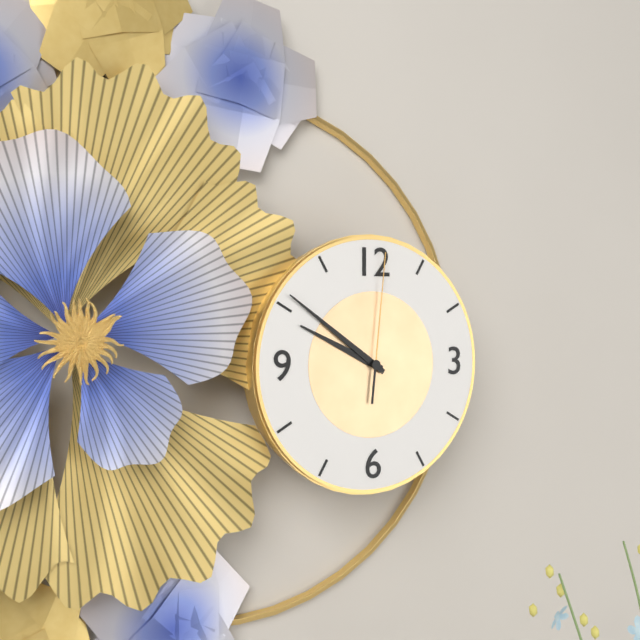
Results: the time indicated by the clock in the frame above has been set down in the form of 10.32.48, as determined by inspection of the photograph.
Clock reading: 9.51.01
